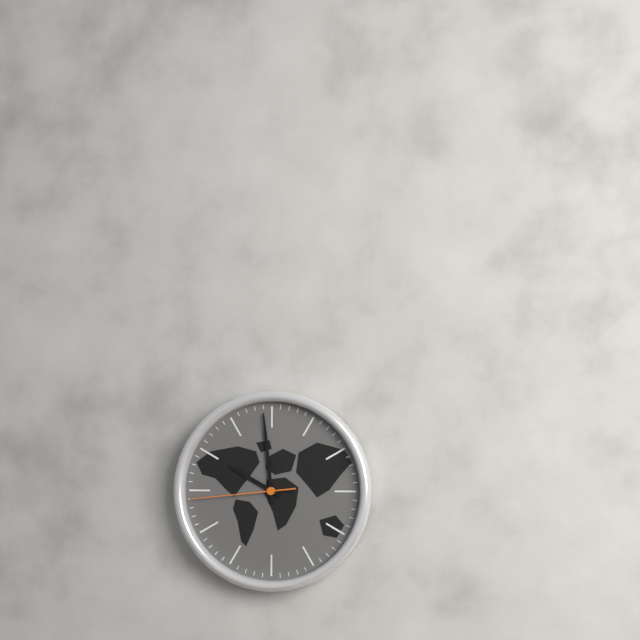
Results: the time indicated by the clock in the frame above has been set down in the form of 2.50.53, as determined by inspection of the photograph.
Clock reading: 9.59.44
